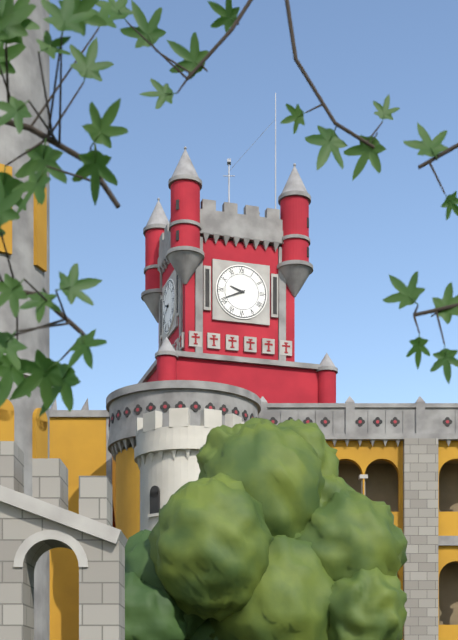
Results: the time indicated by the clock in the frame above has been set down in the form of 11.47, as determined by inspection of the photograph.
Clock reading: 9.41
